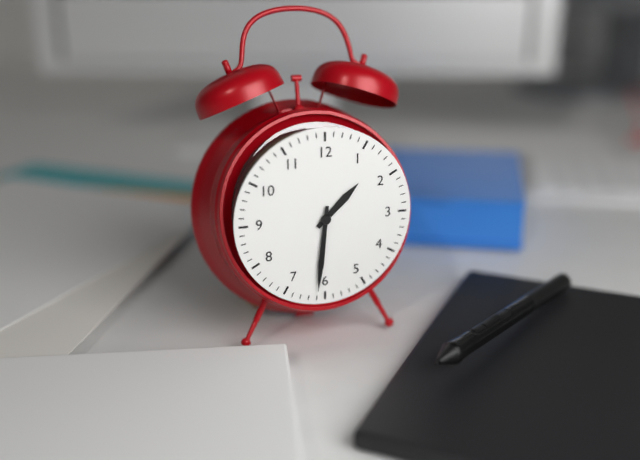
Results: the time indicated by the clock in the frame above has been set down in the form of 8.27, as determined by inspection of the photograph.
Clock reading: 1.31
